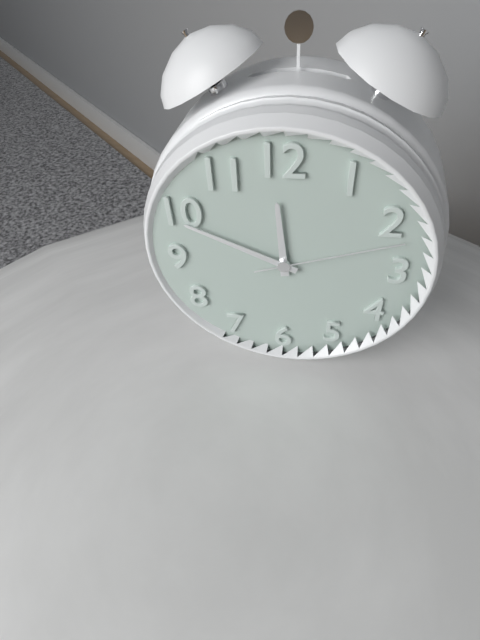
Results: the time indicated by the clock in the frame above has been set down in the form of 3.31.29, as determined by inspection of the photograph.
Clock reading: 11.49.12
